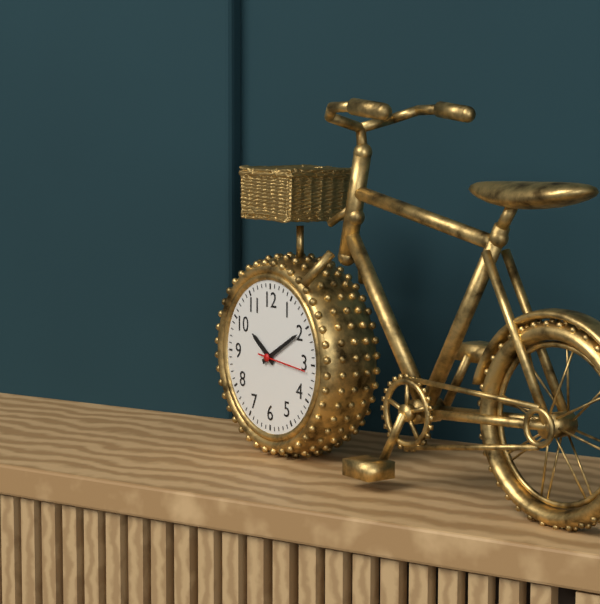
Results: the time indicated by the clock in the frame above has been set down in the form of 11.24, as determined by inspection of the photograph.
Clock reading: 10.10
